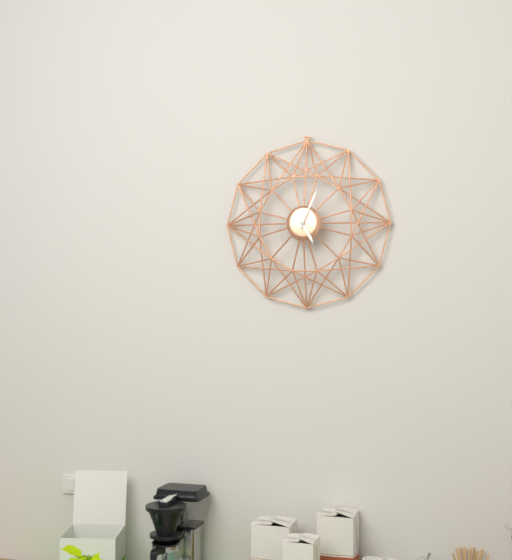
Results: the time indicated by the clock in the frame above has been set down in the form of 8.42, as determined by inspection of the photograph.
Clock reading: 5.04
